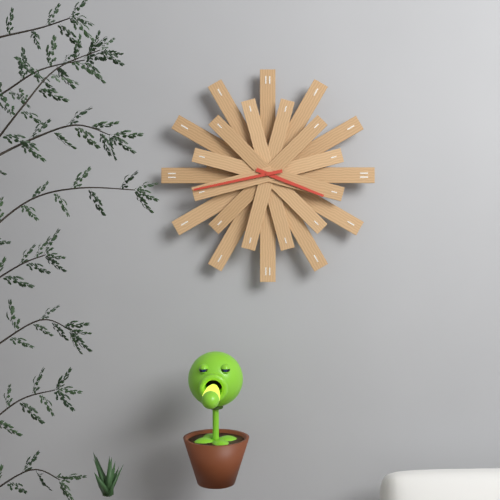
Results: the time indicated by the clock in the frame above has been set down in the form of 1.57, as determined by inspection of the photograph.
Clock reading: 3.43
